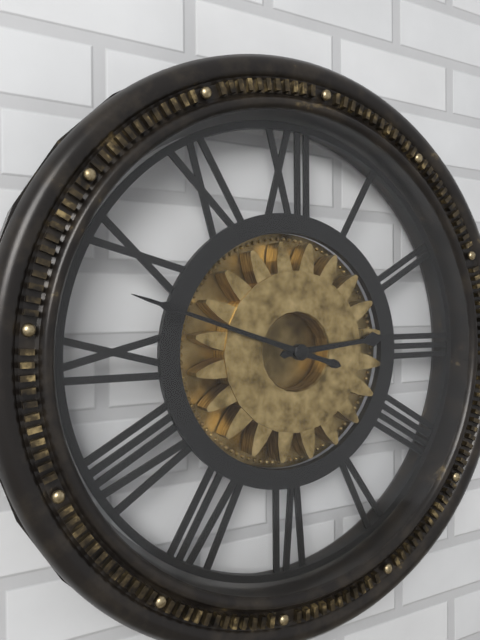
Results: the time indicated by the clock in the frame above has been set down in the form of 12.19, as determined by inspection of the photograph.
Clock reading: 2.48
